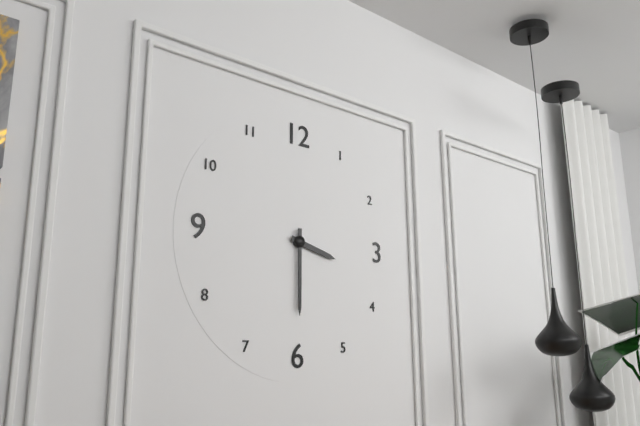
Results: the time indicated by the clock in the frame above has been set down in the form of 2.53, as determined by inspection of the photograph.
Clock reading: 3.30
